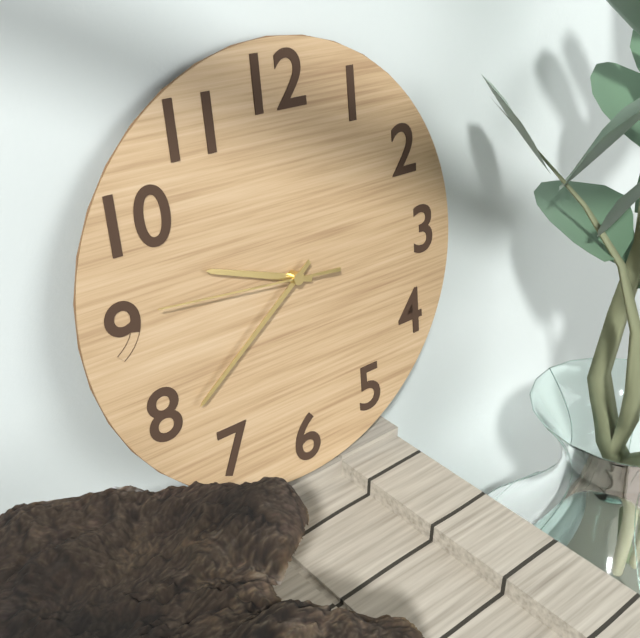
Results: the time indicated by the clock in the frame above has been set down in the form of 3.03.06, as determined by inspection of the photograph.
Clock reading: 9.39.46
